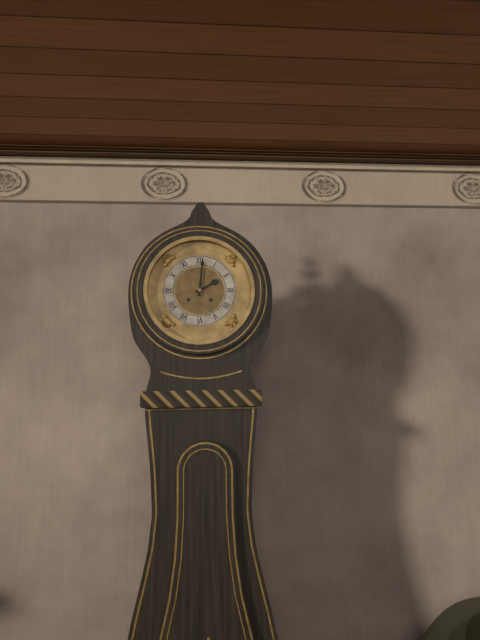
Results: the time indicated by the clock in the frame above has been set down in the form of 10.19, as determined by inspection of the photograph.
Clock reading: 2.01
